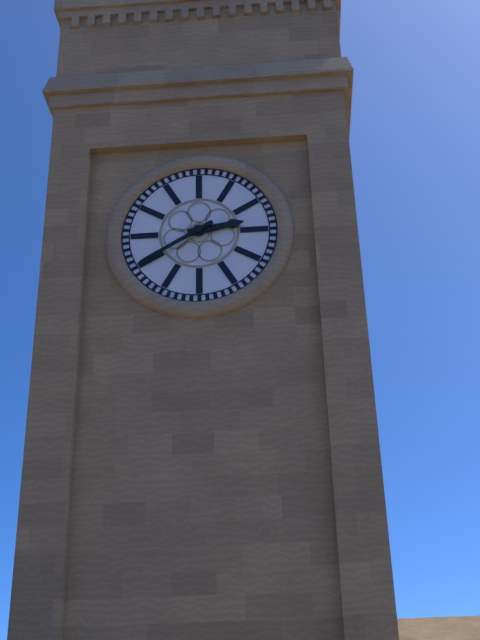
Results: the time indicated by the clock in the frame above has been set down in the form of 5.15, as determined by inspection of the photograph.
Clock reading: 2.40
